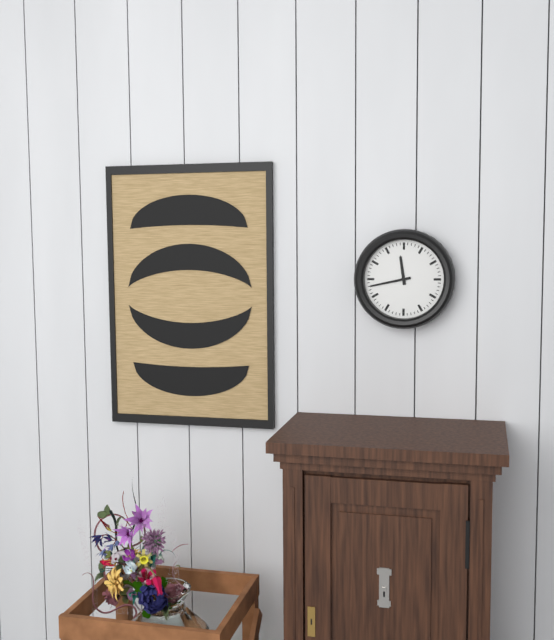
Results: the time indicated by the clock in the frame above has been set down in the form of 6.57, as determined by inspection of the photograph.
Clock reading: 11.43
